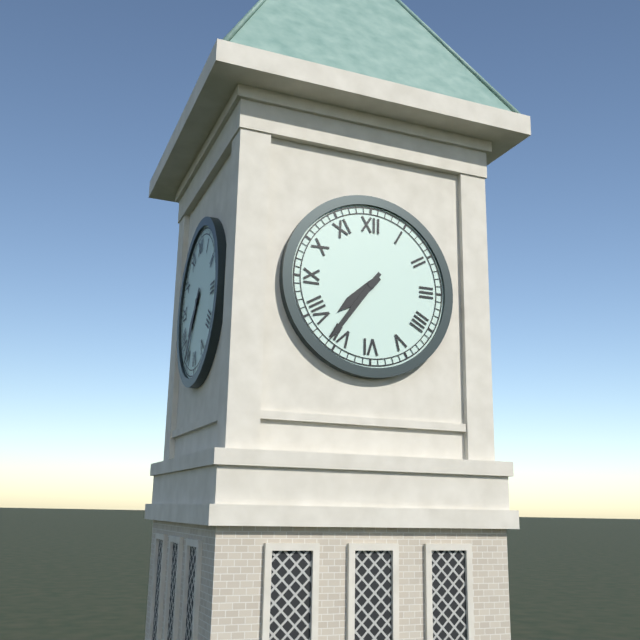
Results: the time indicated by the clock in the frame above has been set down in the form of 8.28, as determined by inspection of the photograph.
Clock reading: 7.36
